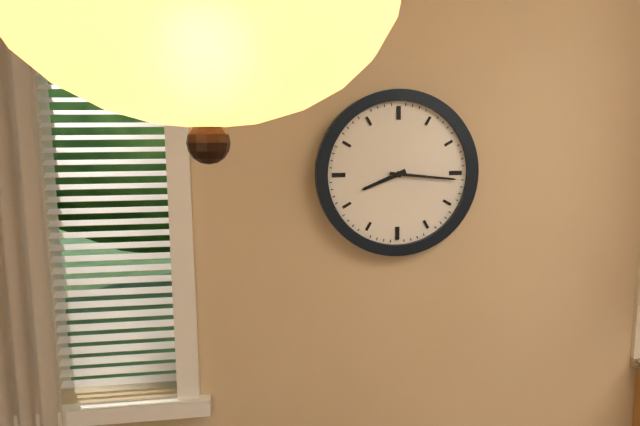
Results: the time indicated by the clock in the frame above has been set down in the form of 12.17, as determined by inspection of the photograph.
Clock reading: 8.16
